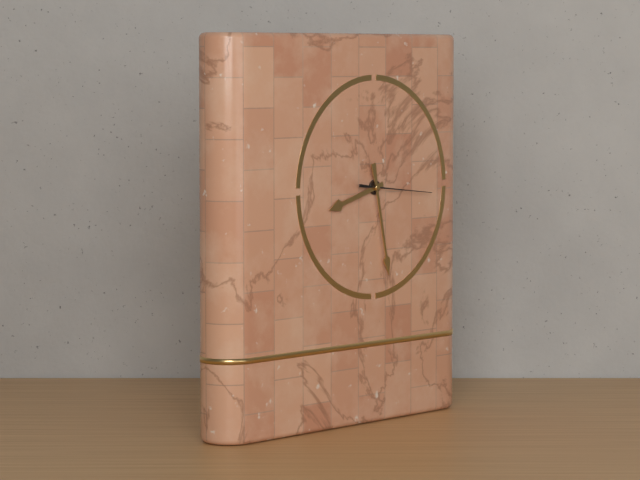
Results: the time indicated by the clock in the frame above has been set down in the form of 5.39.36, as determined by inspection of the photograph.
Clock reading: 8.28.16
